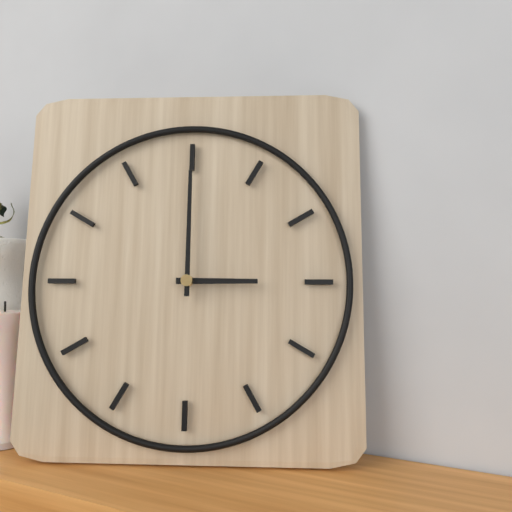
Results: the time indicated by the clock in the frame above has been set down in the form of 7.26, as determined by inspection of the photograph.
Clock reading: 3.00
